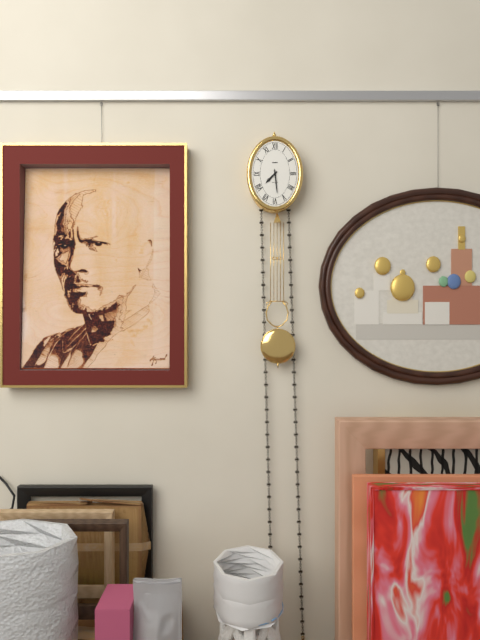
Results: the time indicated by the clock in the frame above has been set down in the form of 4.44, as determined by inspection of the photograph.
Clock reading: 7.29
